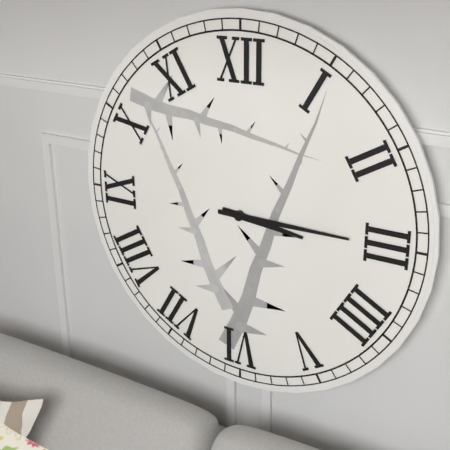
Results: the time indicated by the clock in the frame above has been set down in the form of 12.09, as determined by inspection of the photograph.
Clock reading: 3.15
